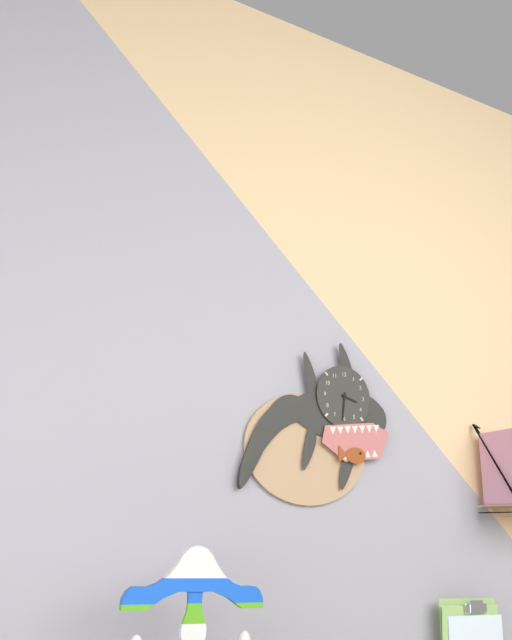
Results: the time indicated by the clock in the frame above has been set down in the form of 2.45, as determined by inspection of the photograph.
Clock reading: 3.31
